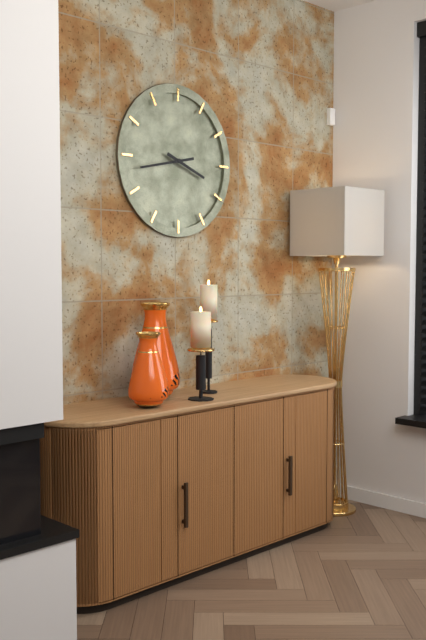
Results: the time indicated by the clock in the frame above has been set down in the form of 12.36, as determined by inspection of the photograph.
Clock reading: 3.43
